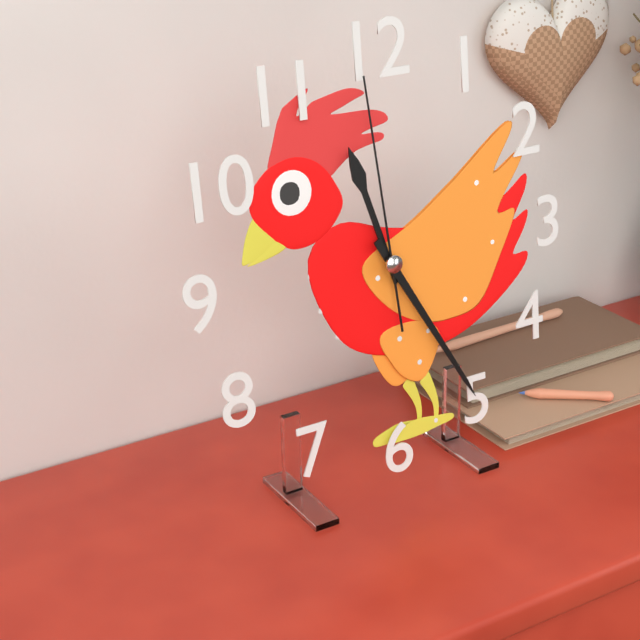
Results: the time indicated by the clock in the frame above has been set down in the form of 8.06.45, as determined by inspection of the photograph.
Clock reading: 11.25.59
